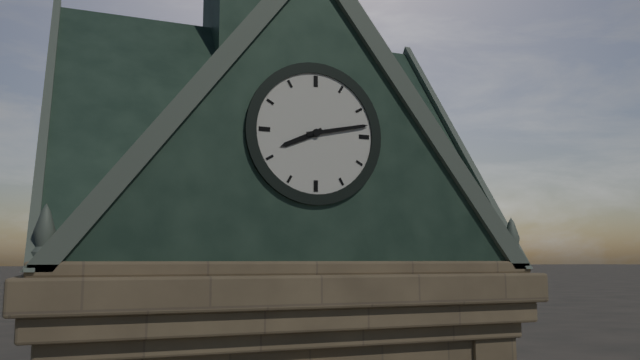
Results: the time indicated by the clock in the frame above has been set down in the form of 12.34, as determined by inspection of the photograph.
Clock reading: 8.13
